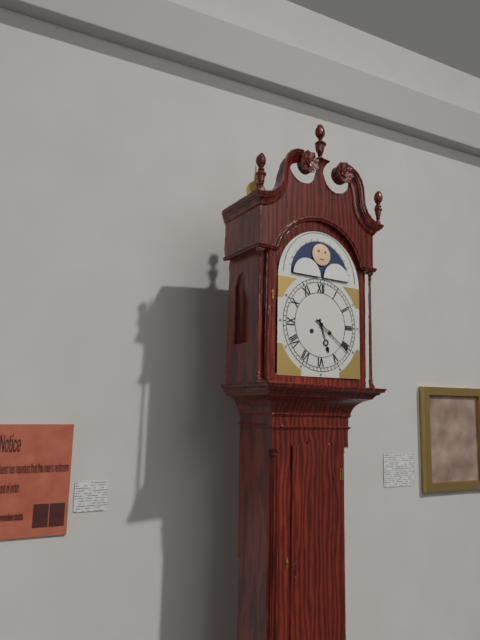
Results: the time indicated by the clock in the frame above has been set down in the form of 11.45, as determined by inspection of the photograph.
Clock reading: 5.21
